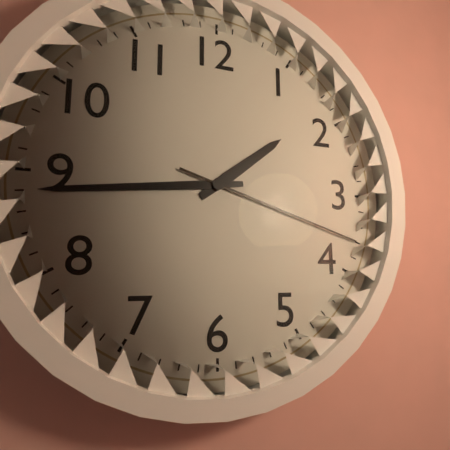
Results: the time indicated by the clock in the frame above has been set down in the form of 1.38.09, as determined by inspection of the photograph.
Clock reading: 1.44.18
